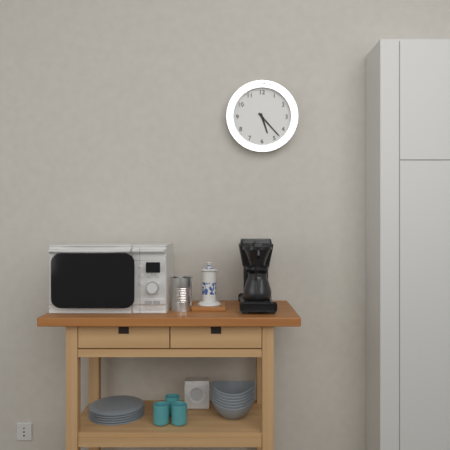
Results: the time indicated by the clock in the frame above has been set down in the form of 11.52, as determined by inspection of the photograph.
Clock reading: 5.23
